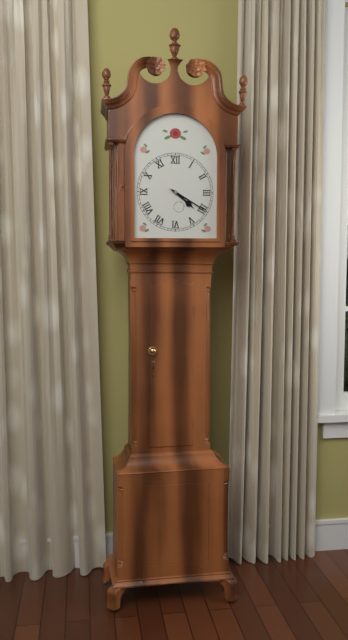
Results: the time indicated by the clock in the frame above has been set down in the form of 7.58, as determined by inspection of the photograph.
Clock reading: 4.20
